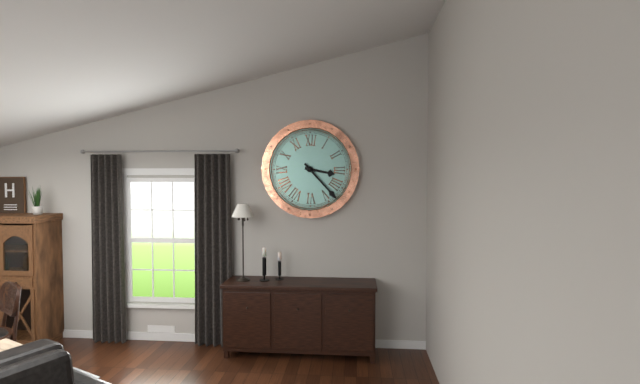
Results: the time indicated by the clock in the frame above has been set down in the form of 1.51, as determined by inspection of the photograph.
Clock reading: 3.23
